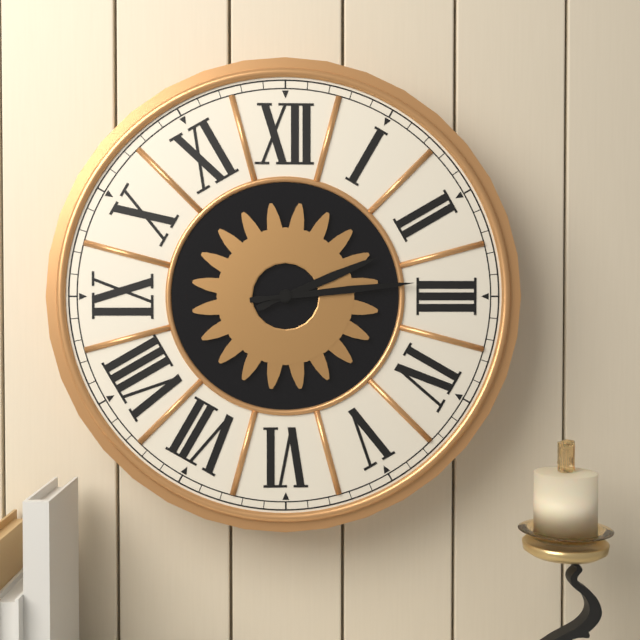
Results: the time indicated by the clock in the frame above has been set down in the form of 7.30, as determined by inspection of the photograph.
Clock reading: 2.14
